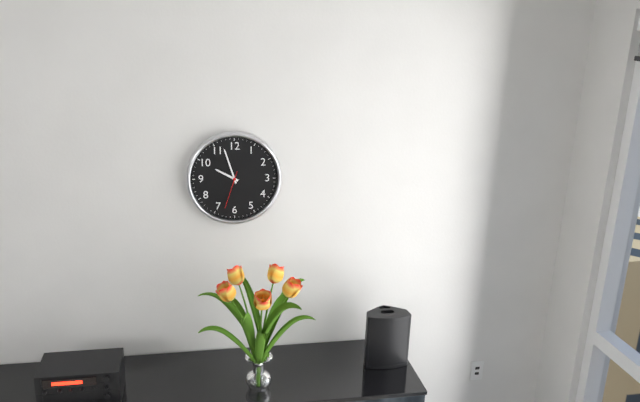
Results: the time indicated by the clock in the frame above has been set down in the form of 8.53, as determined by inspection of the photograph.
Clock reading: 9.57
